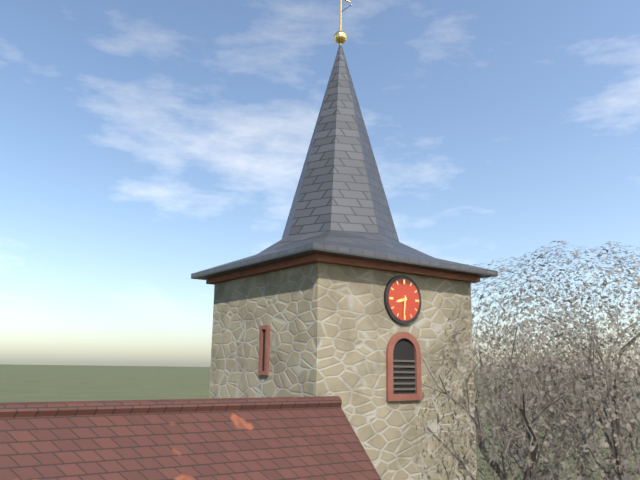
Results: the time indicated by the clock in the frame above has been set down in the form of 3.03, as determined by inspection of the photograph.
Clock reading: 8.31
